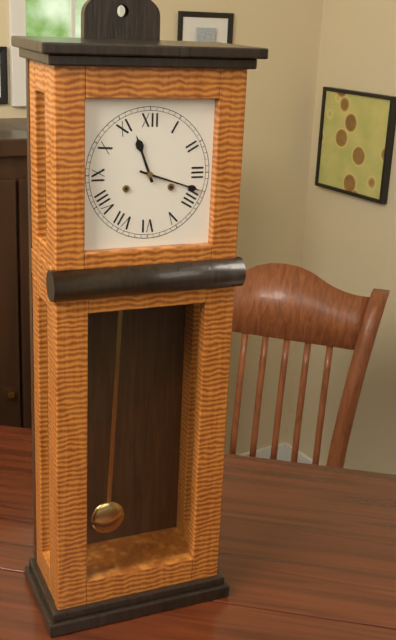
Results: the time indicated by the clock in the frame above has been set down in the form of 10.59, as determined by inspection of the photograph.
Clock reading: 11.18
